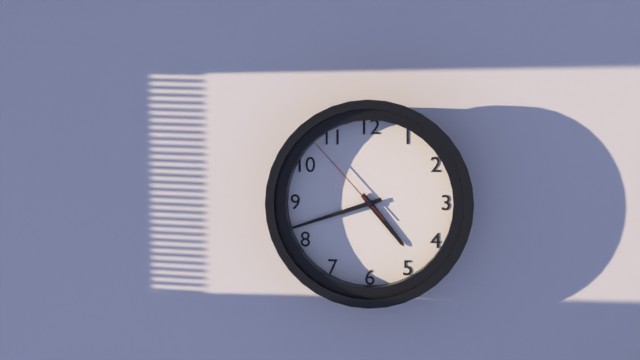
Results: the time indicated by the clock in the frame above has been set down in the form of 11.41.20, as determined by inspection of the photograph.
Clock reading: 4.42.53
